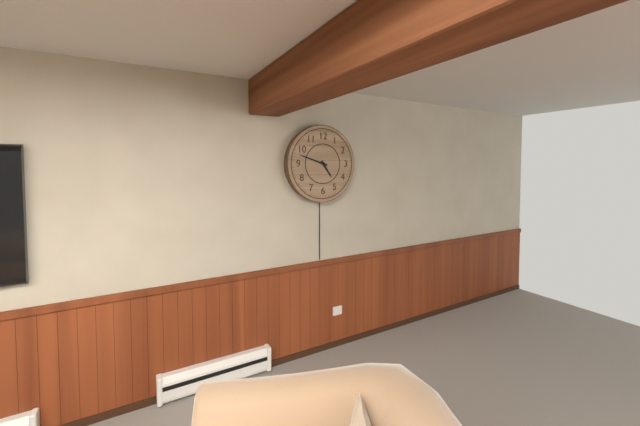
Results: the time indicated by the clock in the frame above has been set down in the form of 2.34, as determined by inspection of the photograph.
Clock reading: 4.48
